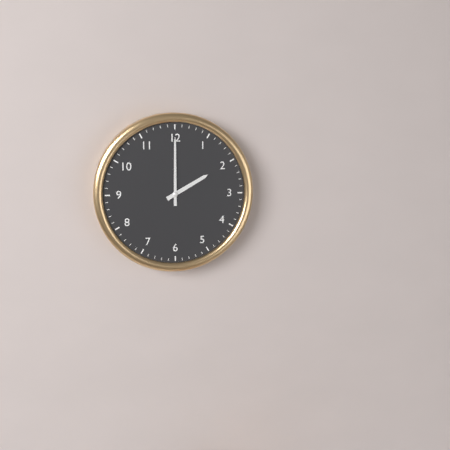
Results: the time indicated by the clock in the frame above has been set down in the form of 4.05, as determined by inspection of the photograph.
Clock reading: 2.00
